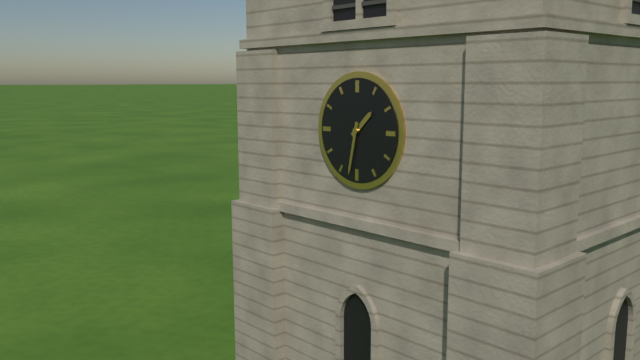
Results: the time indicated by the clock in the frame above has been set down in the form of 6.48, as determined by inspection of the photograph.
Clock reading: 1.32
